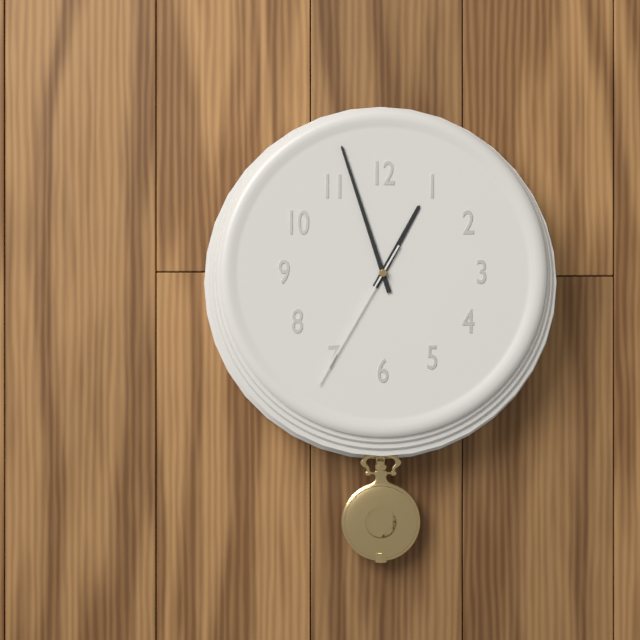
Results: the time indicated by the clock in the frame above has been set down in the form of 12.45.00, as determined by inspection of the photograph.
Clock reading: 12.57.35
